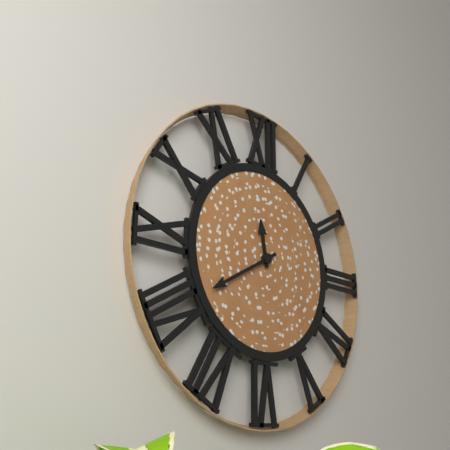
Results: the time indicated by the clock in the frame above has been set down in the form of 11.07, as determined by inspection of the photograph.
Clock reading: 11.40
